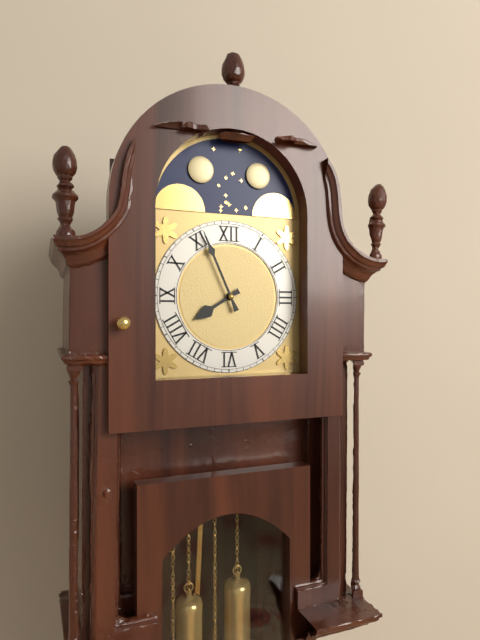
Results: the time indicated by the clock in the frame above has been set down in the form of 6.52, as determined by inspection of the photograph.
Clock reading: 7.56
